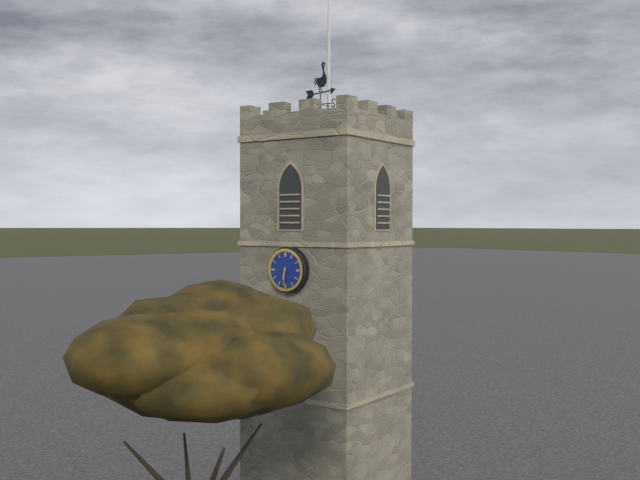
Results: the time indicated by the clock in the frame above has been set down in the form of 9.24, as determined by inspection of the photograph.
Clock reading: 6.31
